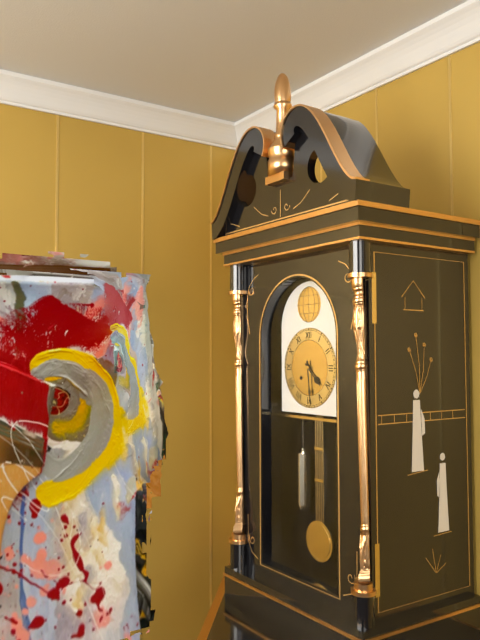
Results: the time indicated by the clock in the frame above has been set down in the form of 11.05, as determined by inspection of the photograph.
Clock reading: 4.29
